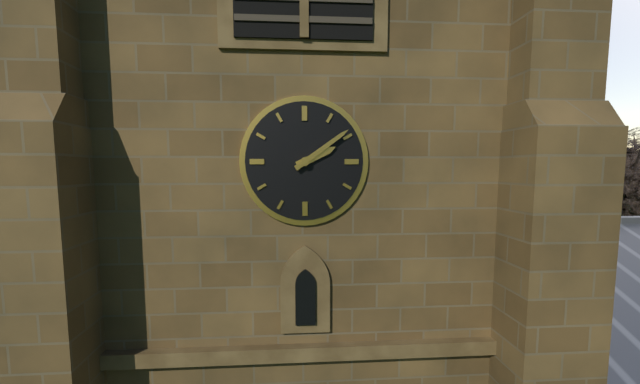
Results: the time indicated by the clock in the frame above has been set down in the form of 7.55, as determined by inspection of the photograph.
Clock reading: 2.09
